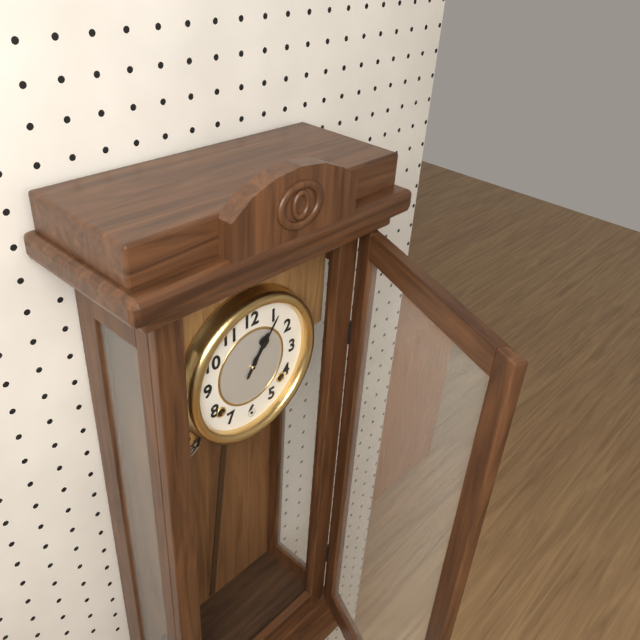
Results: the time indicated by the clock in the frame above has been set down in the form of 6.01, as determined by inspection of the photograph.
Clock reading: 1.06
